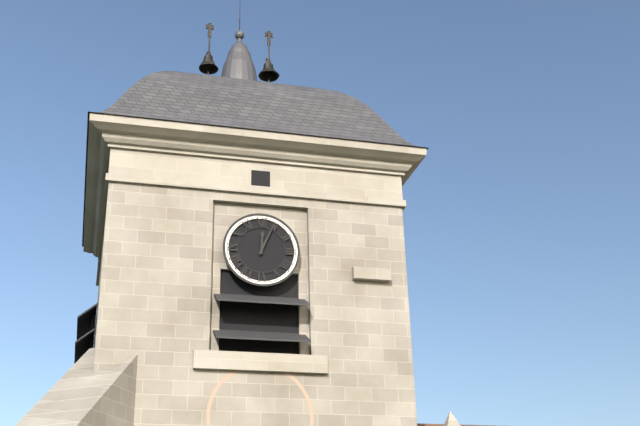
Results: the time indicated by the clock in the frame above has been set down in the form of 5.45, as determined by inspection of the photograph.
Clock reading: 12.04
